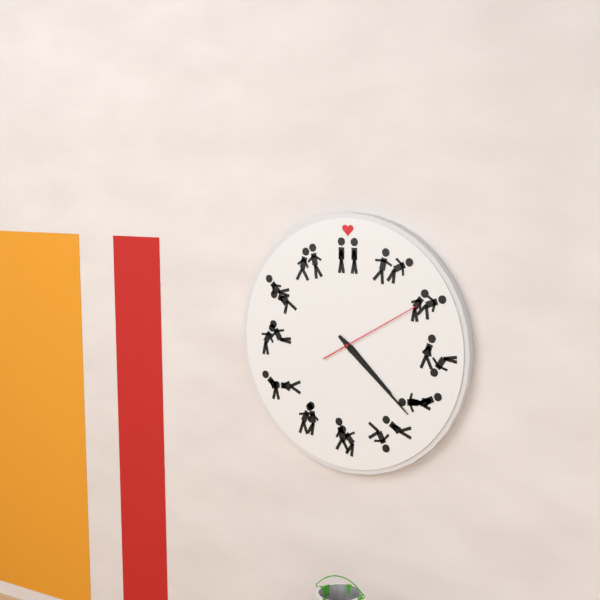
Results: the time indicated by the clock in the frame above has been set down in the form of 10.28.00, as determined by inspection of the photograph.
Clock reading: 4.22.10
